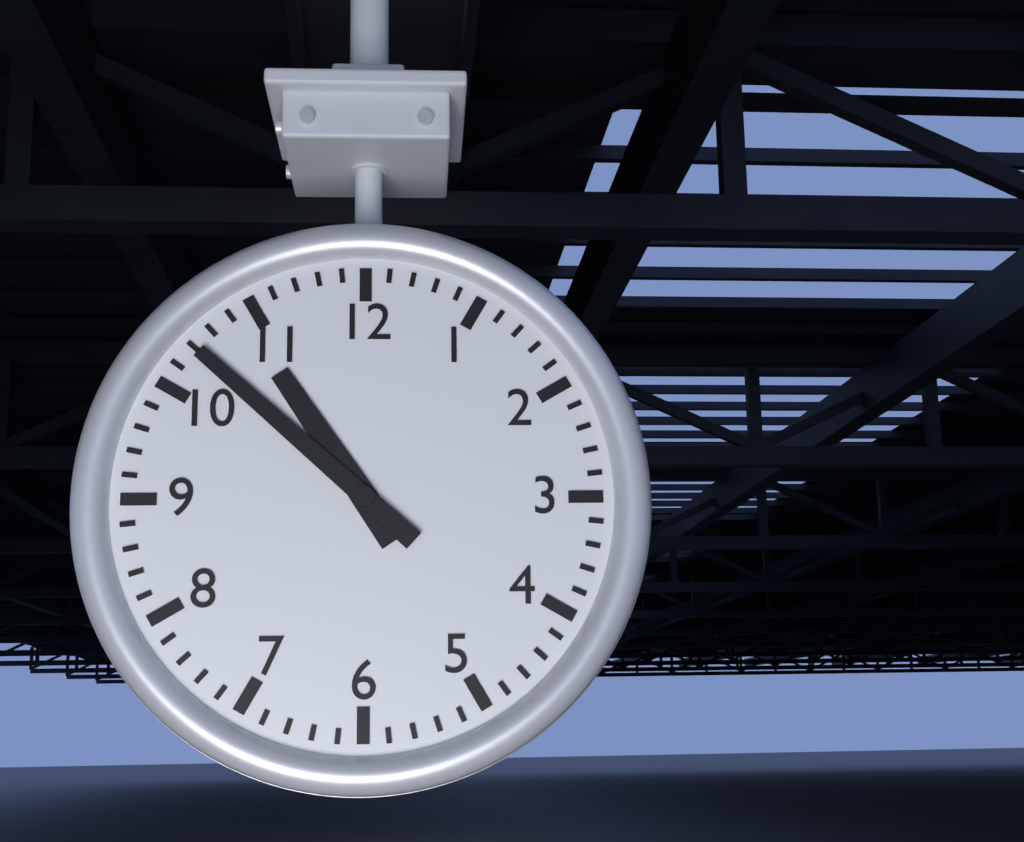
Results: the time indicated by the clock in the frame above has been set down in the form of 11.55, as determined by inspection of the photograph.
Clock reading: 10.52
